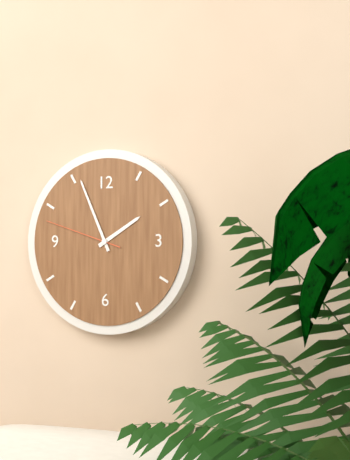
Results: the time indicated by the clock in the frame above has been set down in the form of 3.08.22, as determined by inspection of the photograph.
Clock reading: 1.56.48
